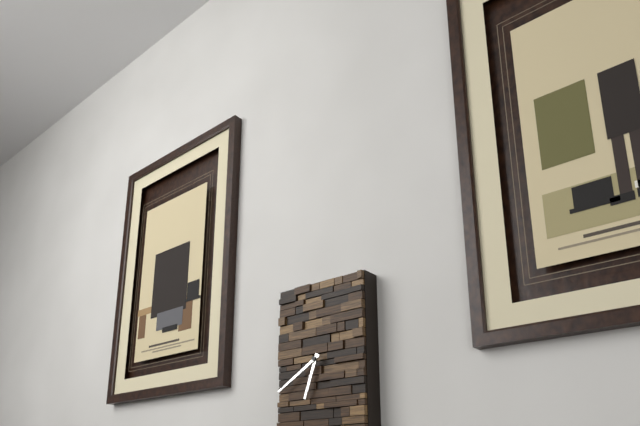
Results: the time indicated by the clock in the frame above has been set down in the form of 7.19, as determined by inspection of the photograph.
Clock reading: 6.40
